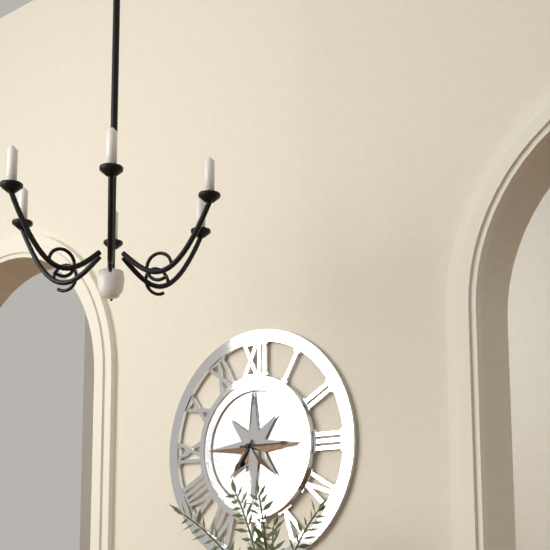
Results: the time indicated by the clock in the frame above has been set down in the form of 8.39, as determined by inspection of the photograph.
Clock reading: 7.15
